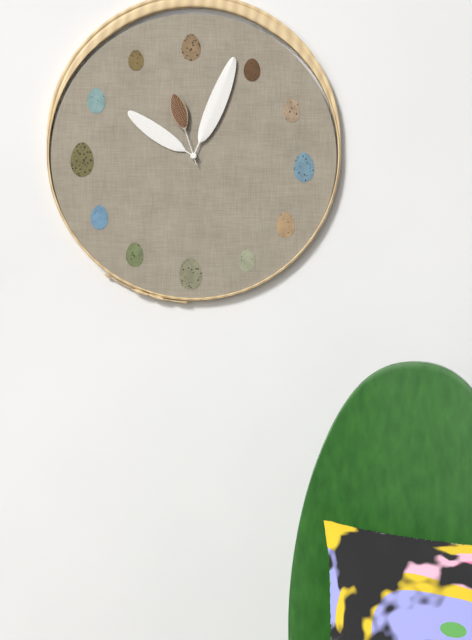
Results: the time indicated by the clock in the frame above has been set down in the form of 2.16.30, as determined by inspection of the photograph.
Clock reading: 10.04.57
